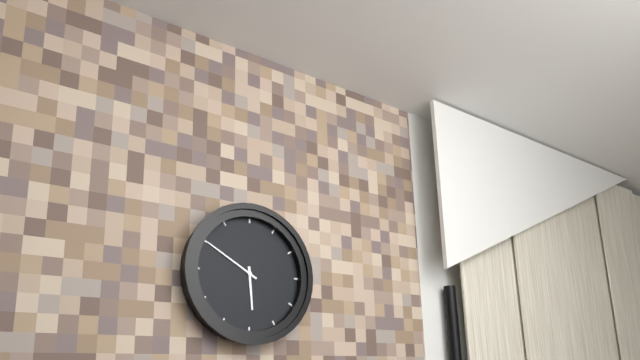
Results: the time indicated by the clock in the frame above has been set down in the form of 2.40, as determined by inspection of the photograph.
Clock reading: 5.50
